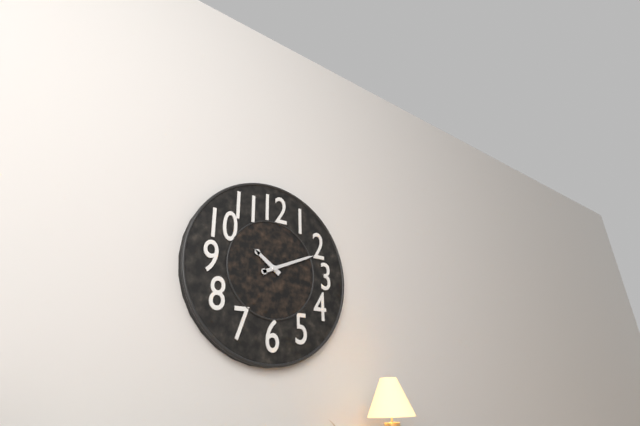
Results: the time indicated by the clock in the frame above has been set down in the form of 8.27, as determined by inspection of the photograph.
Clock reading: 10.11
